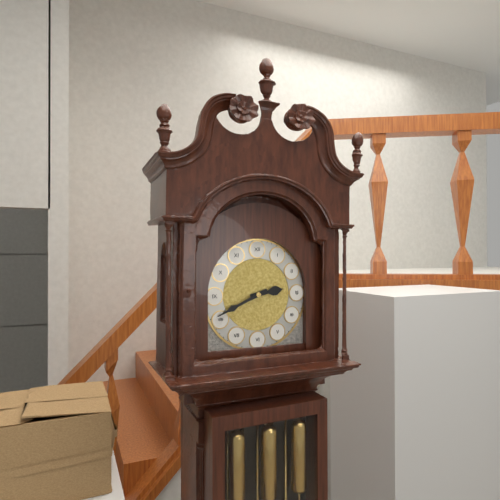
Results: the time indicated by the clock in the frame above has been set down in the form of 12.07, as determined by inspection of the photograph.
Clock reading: 2.41
